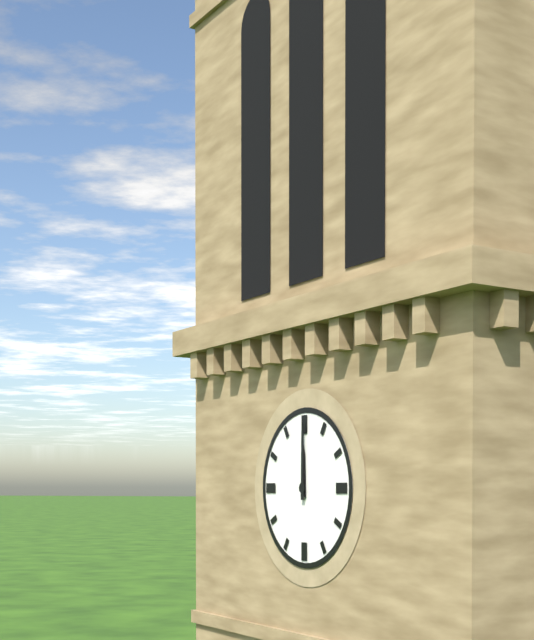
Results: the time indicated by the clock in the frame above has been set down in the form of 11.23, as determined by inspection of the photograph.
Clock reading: 12.00
